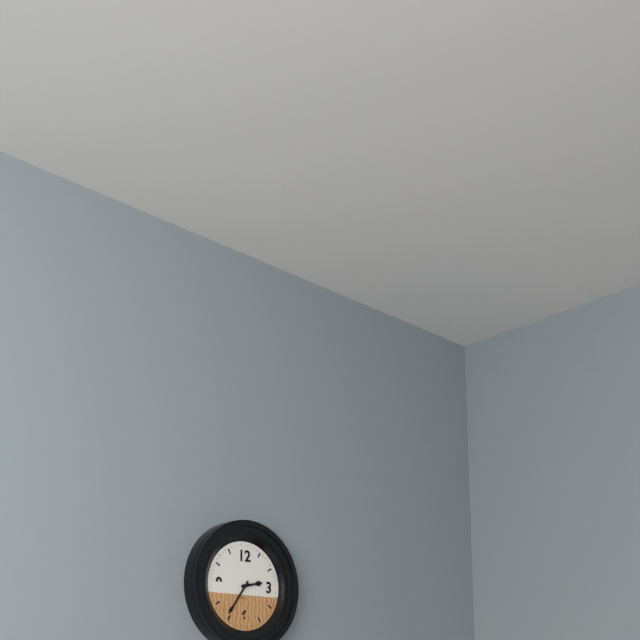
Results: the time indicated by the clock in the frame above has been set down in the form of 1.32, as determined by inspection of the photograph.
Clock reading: 2.36
